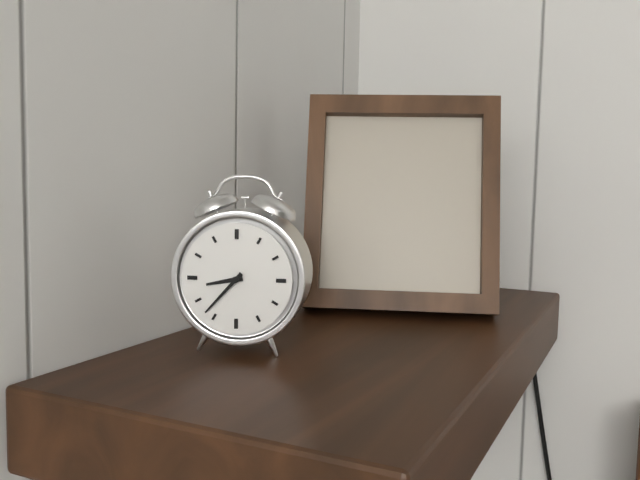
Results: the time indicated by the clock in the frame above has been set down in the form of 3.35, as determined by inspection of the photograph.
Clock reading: 8.37
